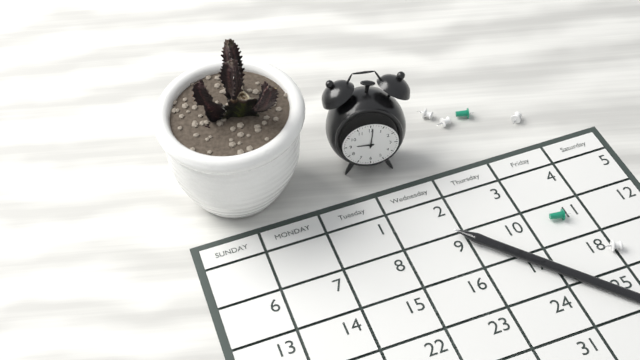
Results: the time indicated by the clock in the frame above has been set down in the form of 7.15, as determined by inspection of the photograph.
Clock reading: 9.01
